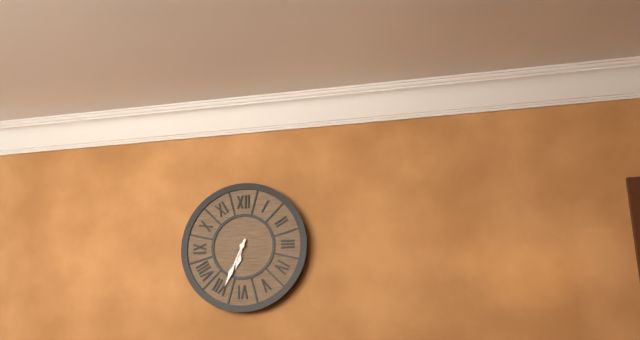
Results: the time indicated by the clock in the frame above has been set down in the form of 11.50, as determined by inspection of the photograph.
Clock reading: 6.34
